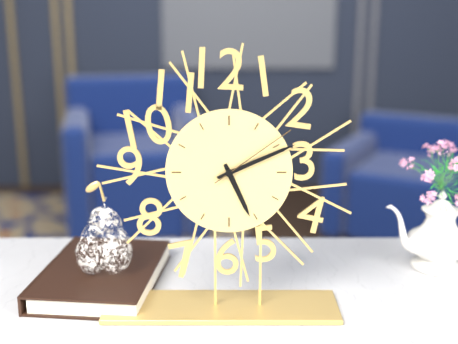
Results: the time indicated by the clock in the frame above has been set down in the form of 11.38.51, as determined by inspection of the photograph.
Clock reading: 5.11.09
